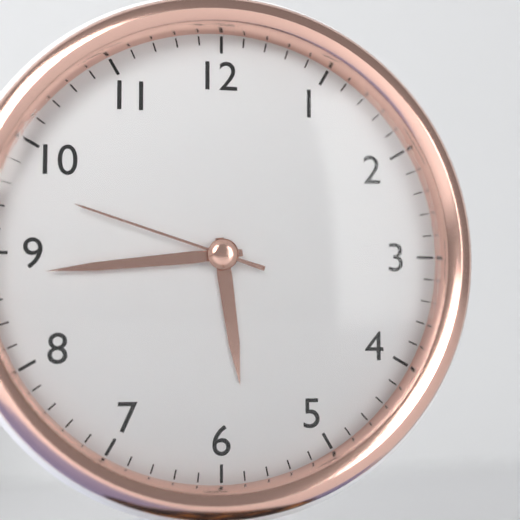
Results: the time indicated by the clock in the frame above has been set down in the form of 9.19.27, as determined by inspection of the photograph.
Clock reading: 5.44.48
